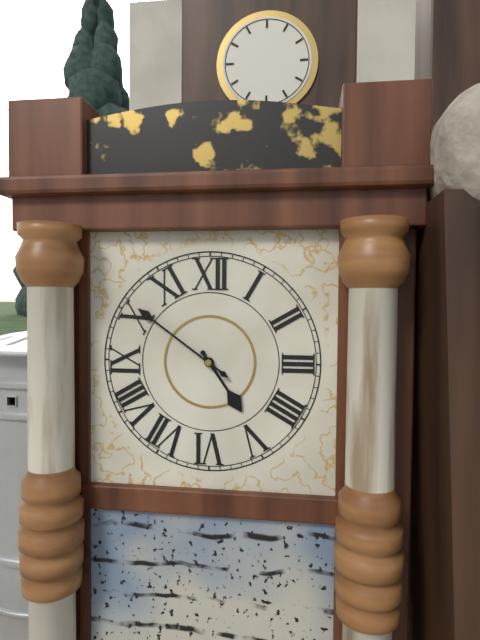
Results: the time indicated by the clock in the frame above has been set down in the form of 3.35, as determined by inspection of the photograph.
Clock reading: 4.51
